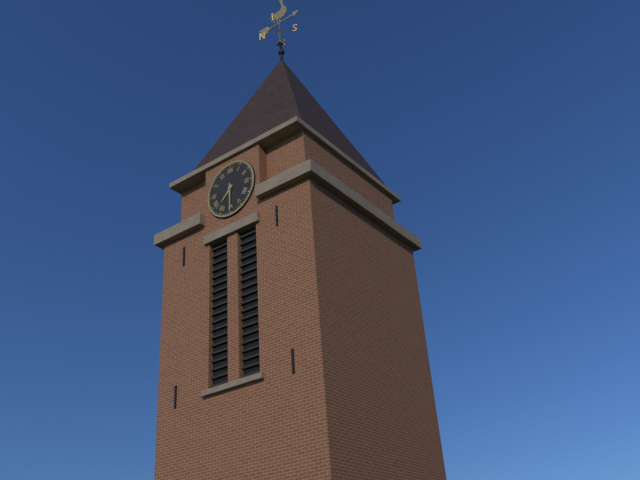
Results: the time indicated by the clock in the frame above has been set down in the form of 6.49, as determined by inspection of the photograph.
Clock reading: 7.30
